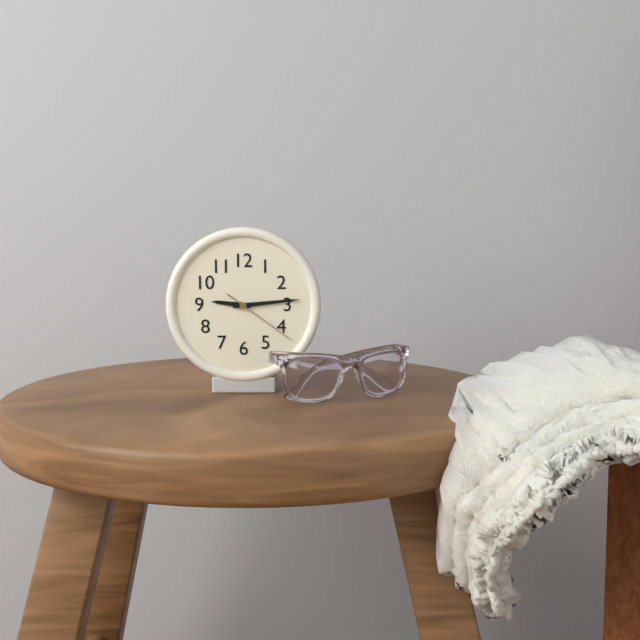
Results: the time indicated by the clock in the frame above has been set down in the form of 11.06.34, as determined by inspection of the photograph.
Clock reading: 9.14.21
